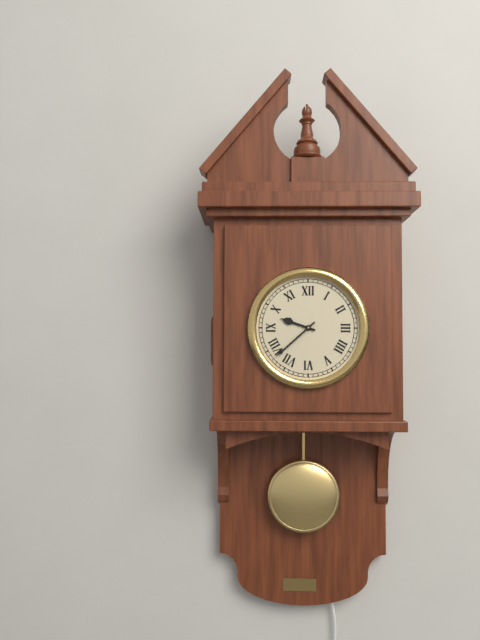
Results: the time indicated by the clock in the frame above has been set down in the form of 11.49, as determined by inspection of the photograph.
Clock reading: 9.38
